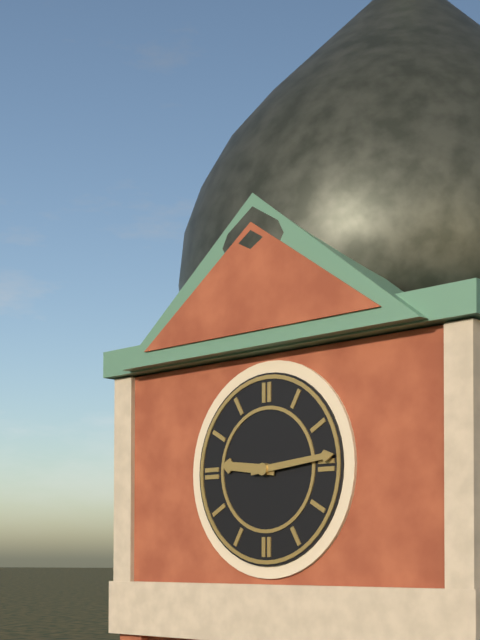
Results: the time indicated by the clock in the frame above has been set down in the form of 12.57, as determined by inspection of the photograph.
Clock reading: 9.14
